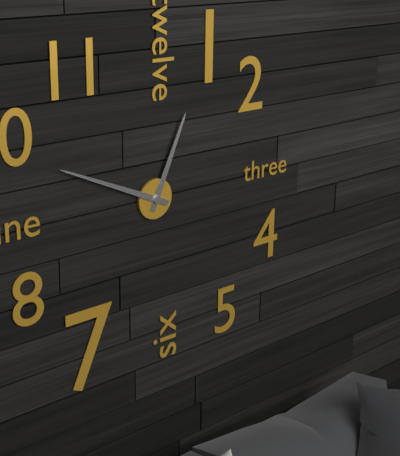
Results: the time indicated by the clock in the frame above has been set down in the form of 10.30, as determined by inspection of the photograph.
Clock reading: 12.49
